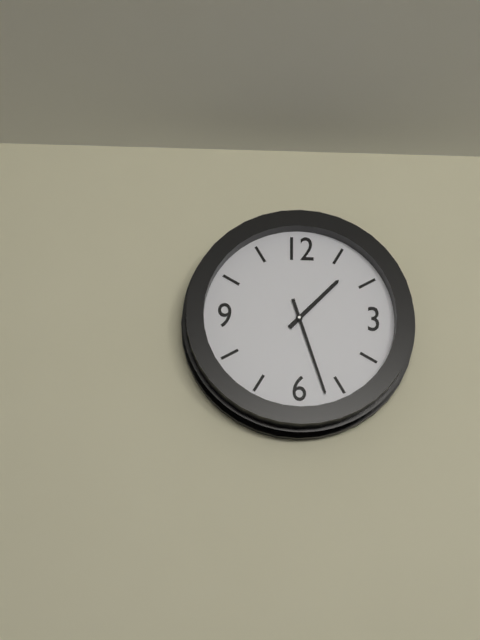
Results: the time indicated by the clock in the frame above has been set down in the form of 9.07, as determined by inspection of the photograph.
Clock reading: 1.27
